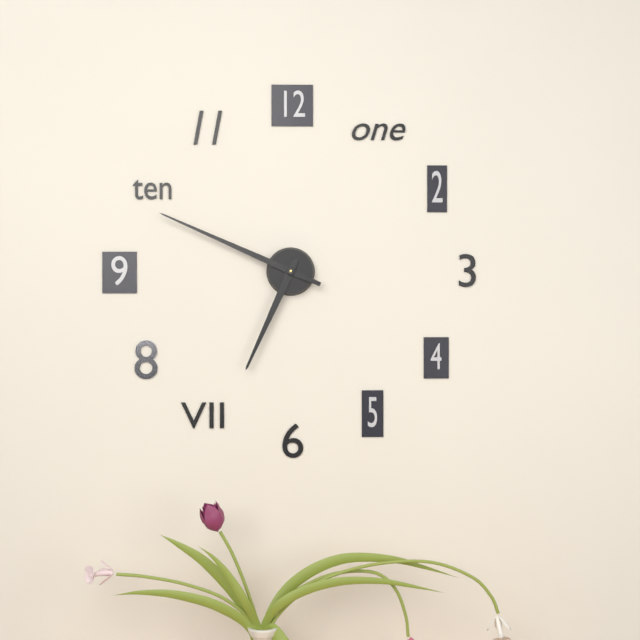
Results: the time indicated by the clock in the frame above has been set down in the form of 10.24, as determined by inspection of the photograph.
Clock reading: 6.49
